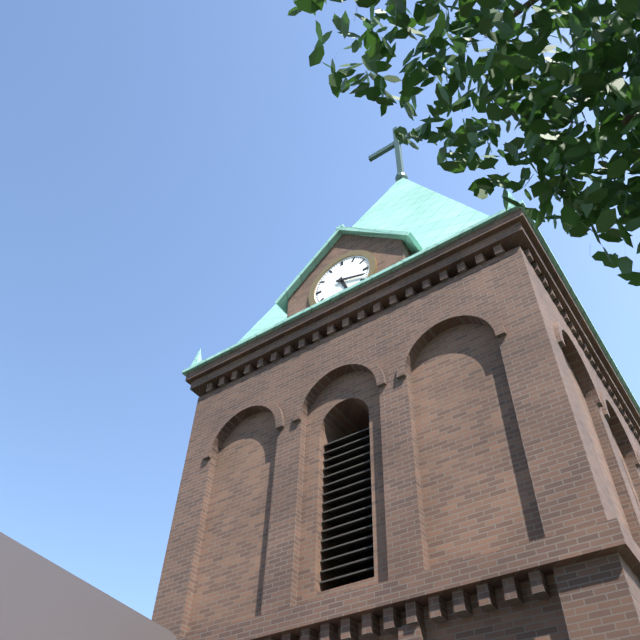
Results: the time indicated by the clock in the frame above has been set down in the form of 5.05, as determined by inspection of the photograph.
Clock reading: 5.18
